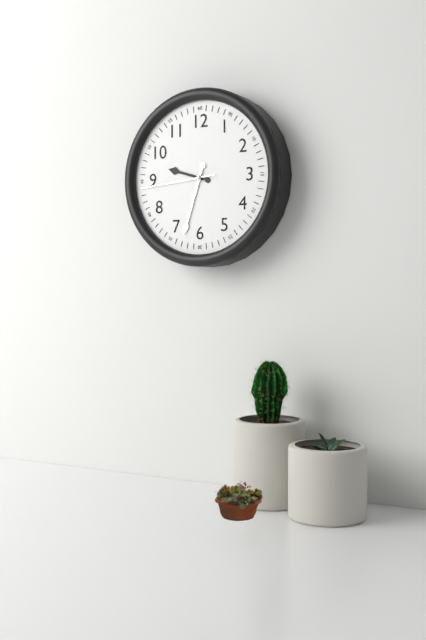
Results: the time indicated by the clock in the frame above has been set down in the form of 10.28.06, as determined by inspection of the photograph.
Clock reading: 9.33.44
